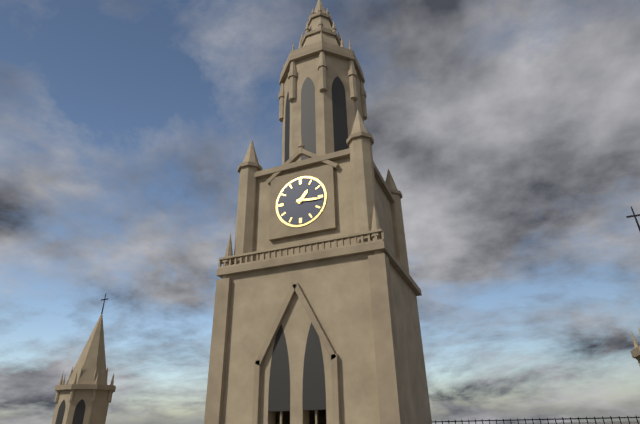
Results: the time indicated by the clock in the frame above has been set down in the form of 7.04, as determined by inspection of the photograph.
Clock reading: 1.16
